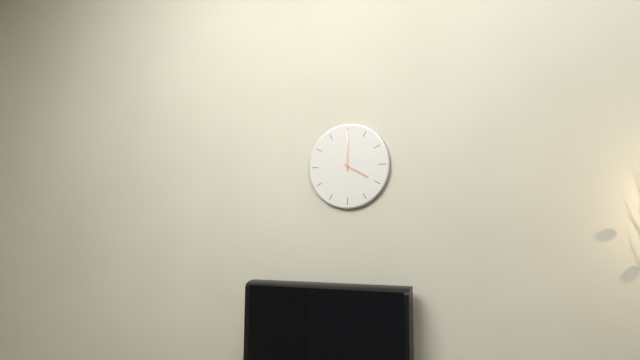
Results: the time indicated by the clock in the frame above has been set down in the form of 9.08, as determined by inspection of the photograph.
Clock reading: 4.00
